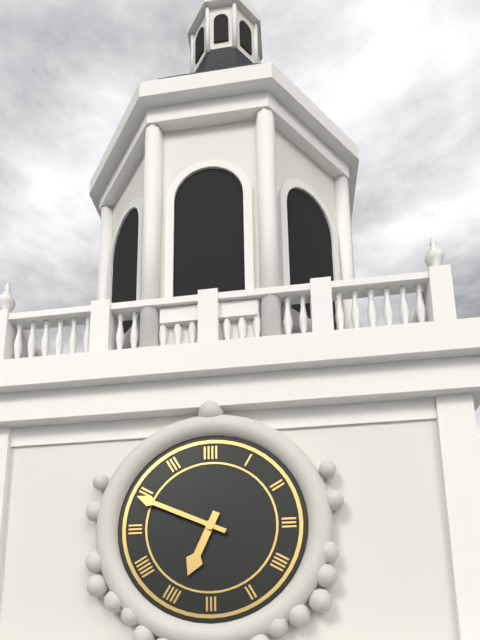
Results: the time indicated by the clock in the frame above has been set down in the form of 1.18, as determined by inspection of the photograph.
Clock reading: 6.49
